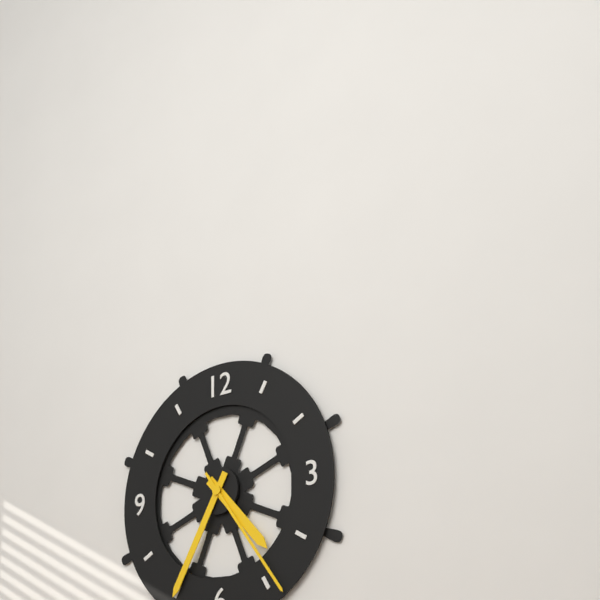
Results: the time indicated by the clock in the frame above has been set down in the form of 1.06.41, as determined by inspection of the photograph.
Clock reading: 4.35.24
